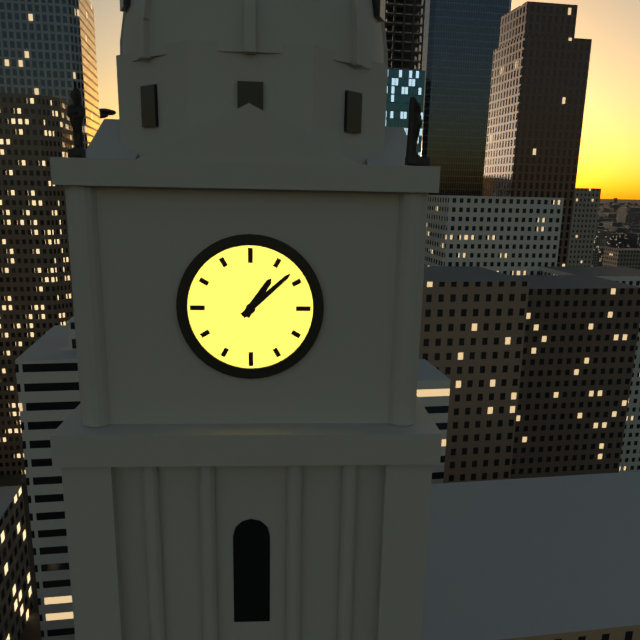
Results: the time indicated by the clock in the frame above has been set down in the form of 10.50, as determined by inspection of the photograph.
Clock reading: 1.08
